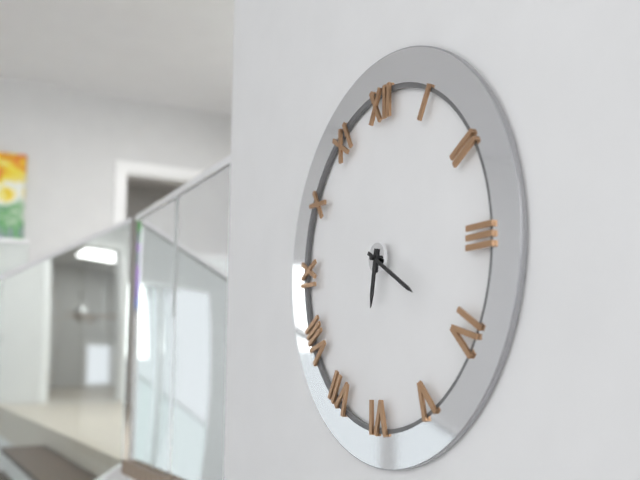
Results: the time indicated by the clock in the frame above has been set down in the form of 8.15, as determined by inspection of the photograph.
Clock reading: 6.20
